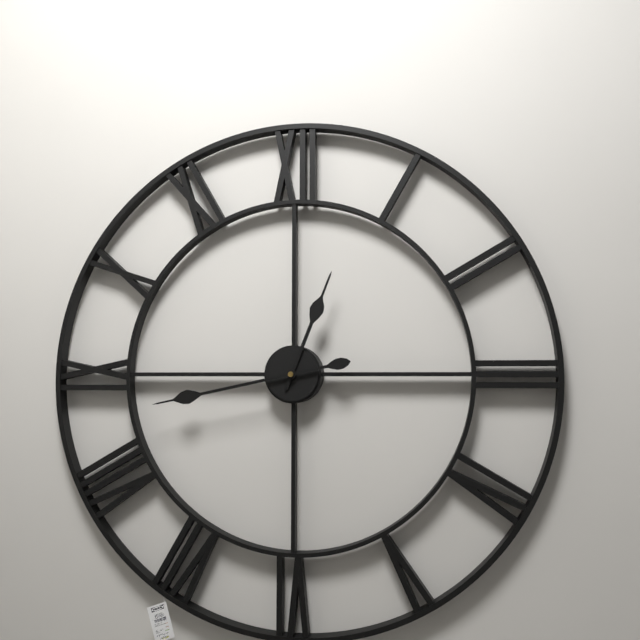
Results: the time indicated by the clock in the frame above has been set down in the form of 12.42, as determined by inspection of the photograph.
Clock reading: 12.43
